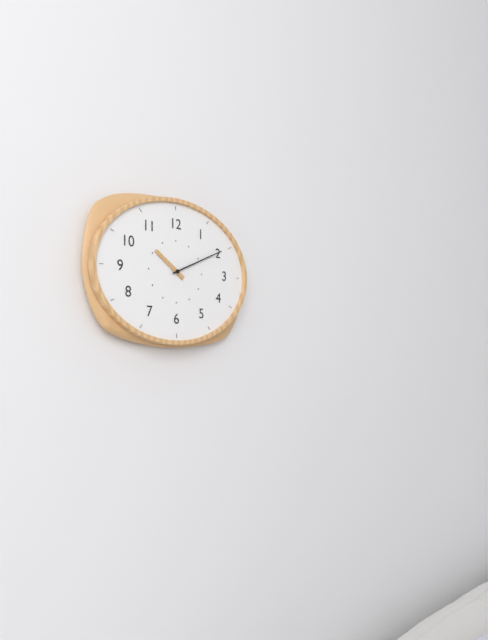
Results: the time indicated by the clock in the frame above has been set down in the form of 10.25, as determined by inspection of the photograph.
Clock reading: 10.11
